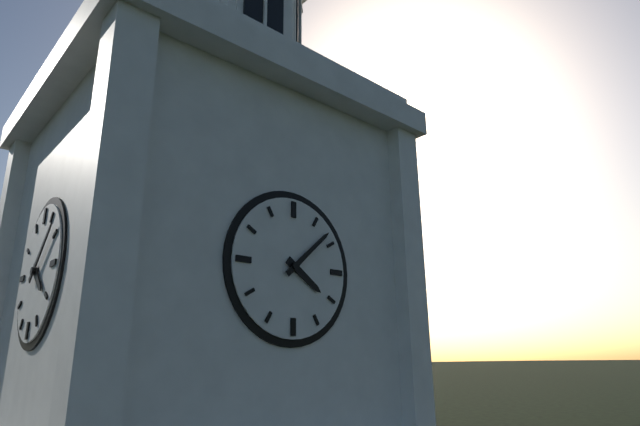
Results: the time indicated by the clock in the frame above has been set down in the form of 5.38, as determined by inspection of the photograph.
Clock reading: 4.08
